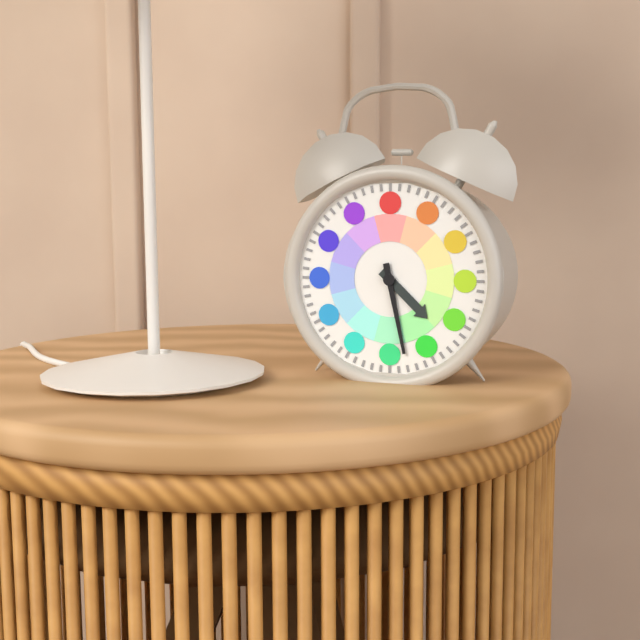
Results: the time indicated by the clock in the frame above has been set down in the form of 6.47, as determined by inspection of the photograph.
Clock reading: 4.28
